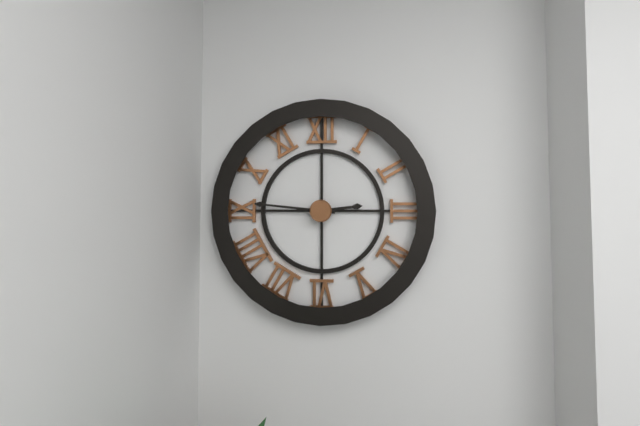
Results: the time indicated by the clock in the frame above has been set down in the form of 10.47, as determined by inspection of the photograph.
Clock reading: 2.46
